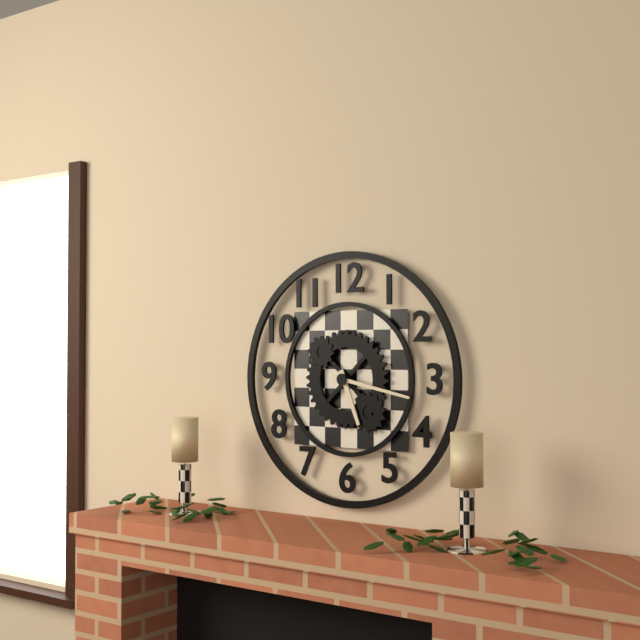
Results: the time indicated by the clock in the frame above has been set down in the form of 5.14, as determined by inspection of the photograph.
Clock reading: 5.17
